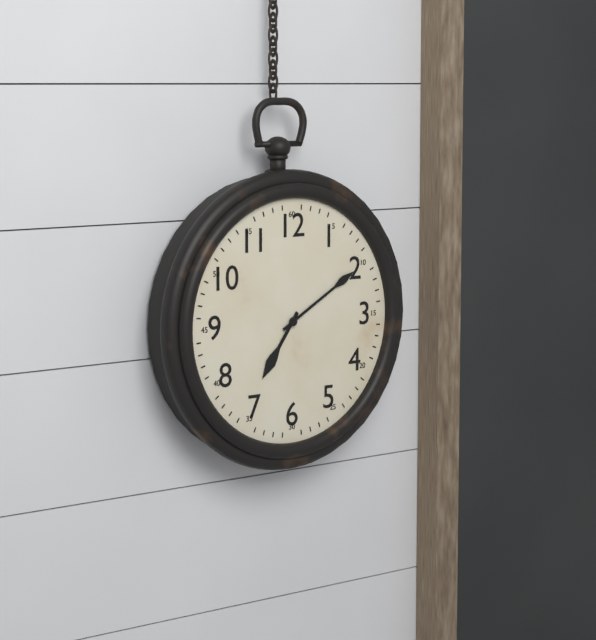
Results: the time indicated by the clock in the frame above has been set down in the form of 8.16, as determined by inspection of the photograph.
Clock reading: 7.10
